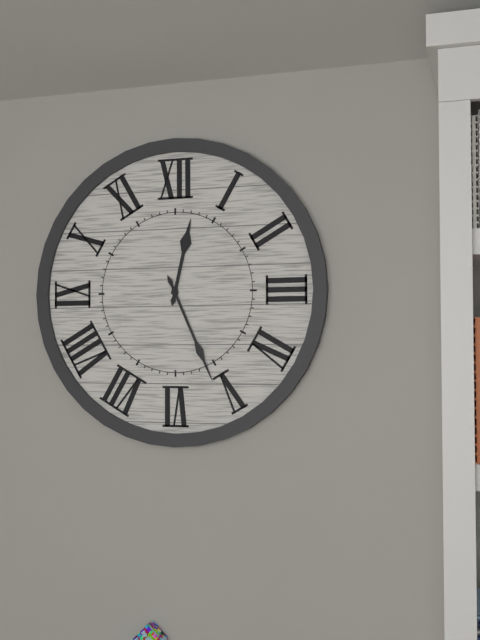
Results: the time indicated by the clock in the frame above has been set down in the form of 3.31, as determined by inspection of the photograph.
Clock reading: 12.26
